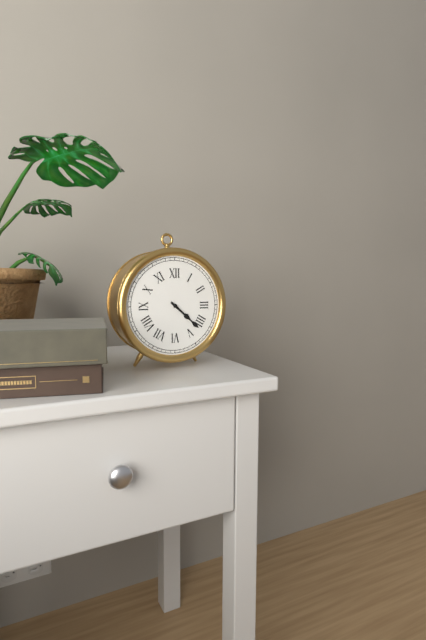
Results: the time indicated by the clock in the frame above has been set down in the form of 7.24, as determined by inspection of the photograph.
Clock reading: 4.22
